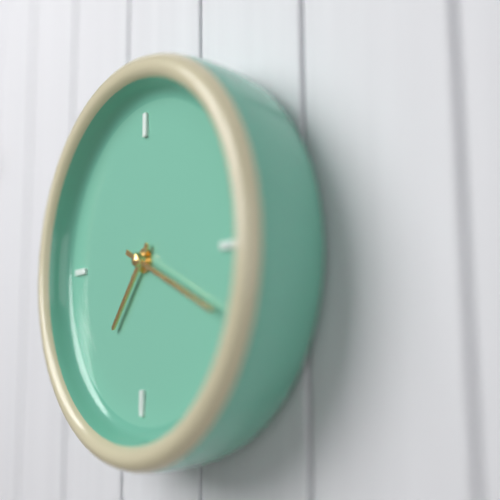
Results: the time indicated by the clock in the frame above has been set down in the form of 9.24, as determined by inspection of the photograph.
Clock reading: 7.19
